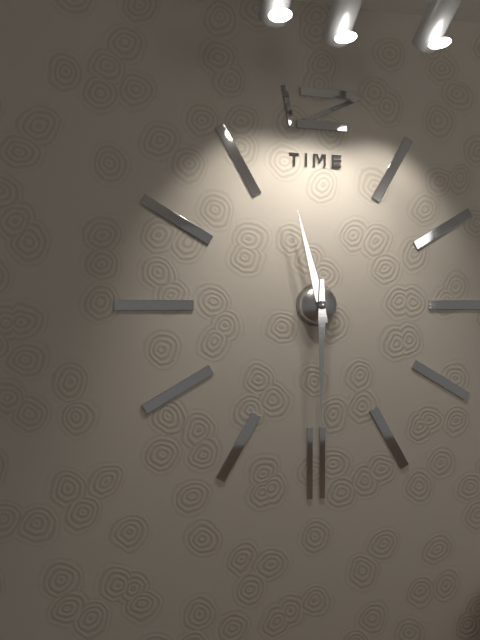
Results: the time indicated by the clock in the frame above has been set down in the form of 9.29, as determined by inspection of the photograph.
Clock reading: 11.30
